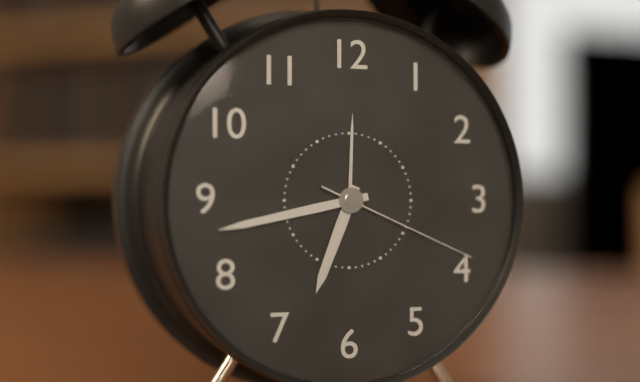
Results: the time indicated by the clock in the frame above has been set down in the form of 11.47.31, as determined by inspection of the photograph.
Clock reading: 6.43.19
